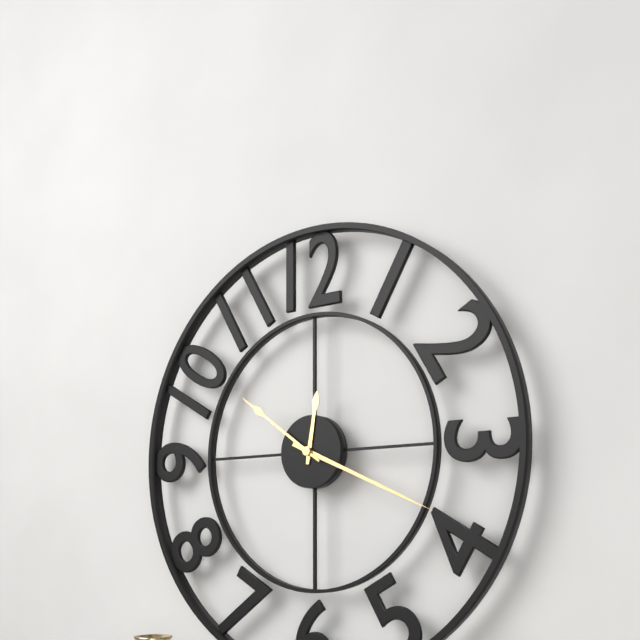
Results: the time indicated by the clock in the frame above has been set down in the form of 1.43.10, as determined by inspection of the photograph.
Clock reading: 12.19.51
